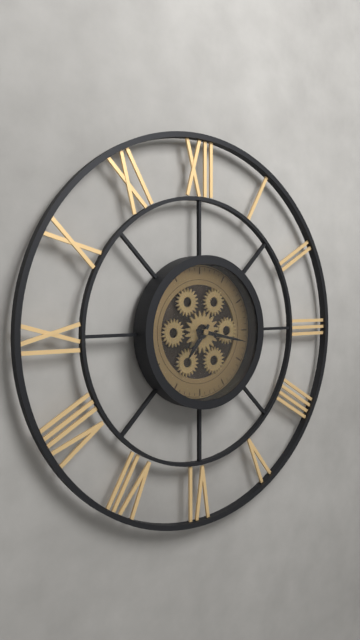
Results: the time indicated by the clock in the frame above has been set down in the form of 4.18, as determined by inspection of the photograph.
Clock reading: 7.17
